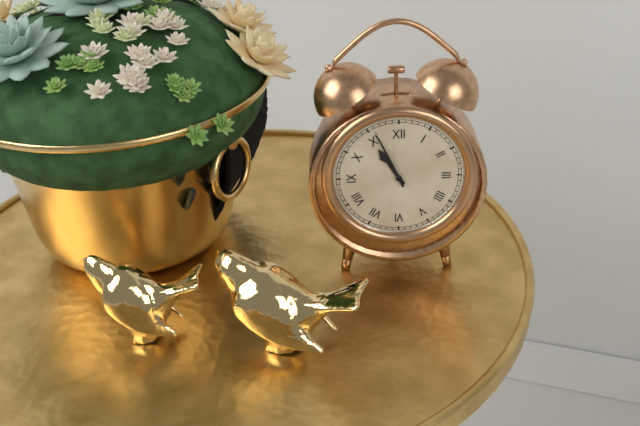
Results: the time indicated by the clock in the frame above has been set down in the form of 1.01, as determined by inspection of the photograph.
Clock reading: 10.56
